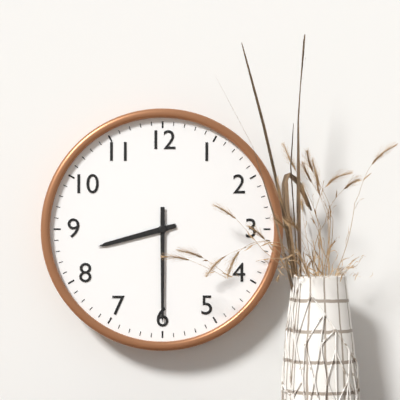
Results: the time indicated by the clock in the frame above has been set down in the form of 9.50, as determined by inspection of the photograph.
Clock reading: 8.30
